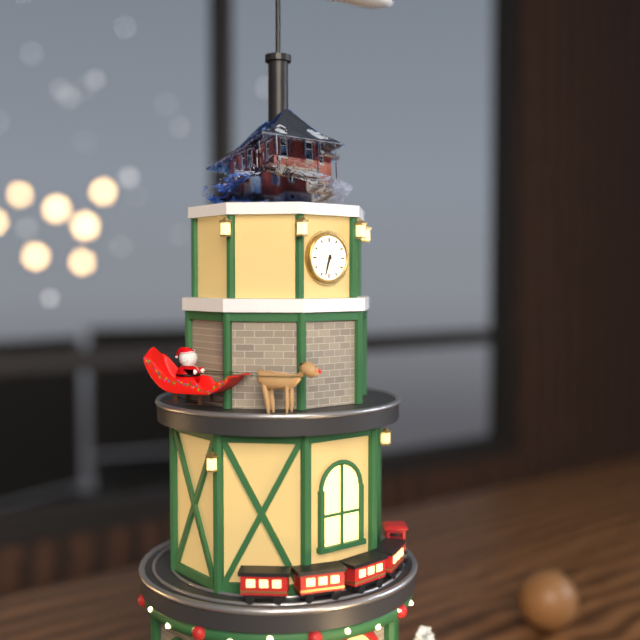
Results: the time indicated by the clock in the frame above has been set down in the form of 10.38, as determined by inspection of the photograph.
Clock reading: 6.33
